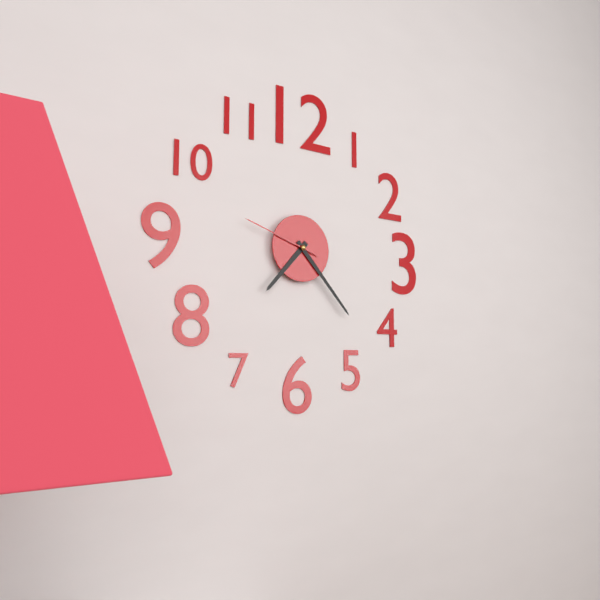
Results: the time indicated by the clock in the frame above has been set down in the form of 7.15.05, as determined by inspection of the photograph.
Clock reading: 7.23.48
